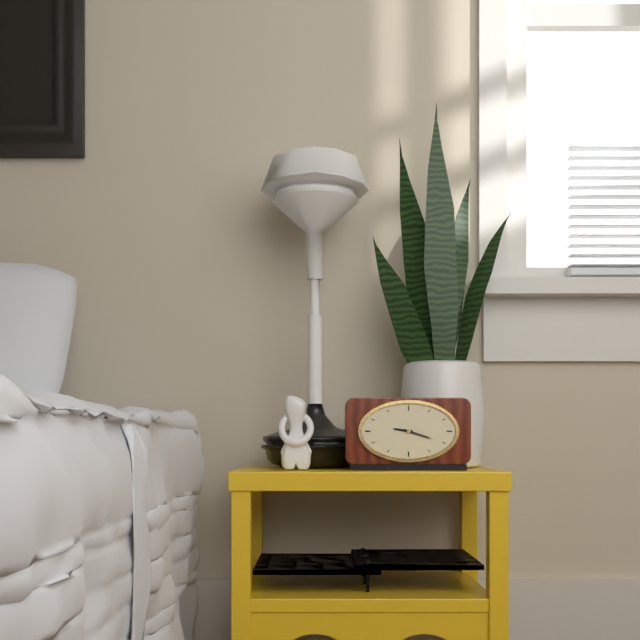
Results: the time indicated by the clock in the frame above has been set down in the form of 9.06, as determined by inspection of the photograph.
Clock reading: 9.18
